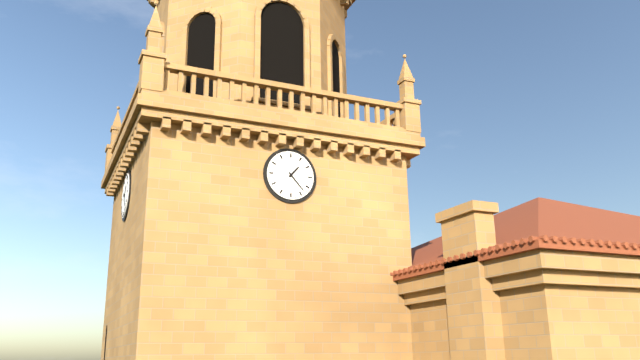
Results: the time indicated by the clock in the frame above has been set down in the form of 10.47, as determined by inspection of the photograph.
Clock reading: 1.23
